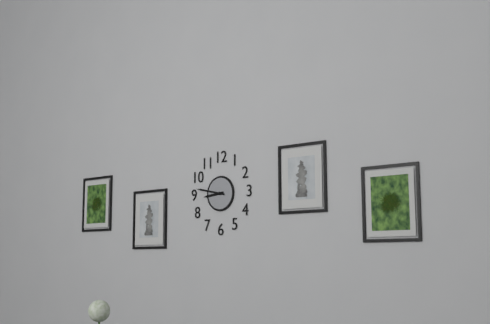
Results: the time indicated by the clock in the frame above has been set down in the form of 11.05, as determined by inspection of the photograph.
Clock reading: 8.47
